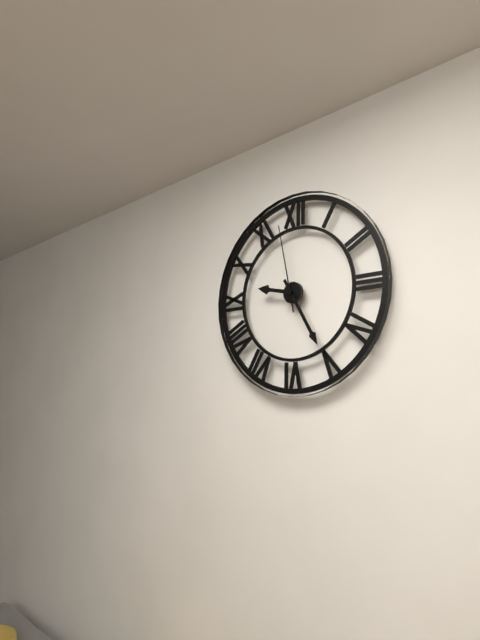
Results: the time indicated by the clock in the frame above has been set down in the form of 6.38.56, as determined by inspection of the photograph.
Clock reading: 9.25.58
